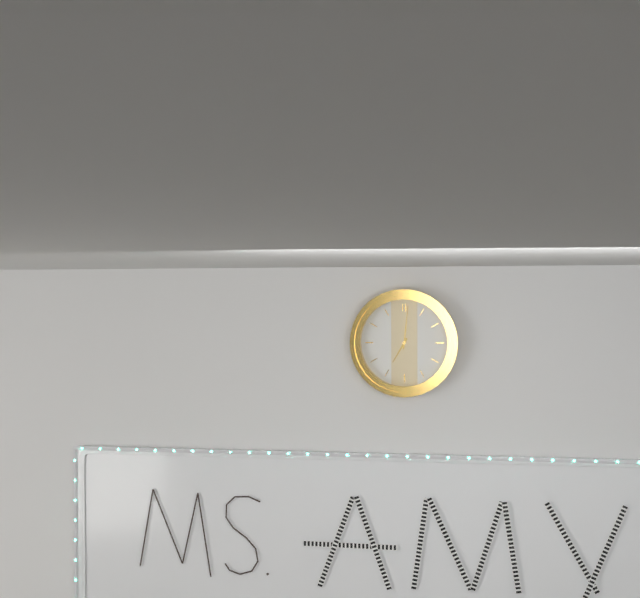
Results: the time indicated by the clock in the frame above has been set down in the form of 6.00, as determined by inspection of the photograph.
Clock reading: 7.01
